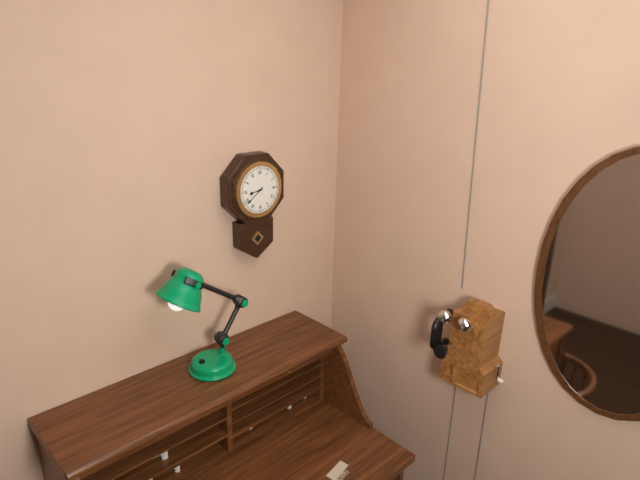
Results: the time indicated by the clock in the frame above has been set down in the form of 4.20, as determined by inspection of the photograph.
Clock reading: 8.39
